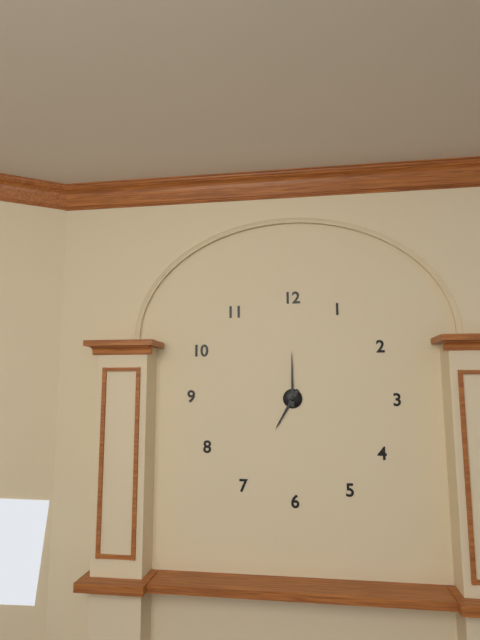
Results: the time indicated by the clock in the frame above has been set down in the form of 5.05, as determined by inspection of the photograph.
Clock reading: 7.00
